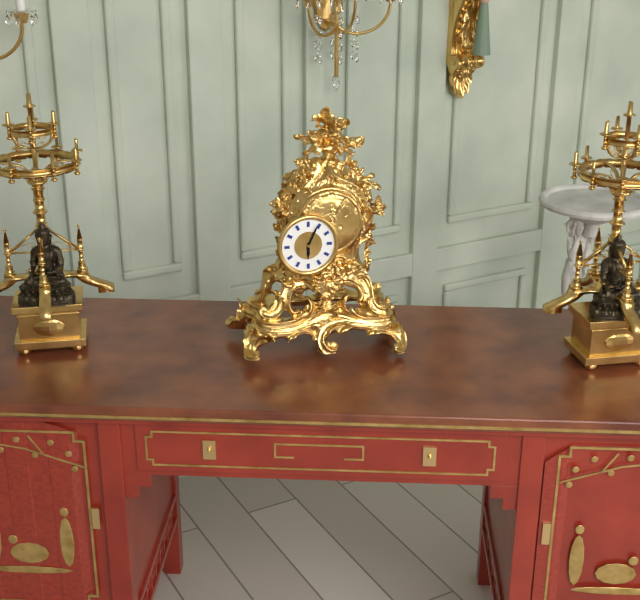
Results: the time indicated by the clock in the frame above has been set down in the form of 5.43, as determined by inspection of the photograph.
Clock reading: 6.04
